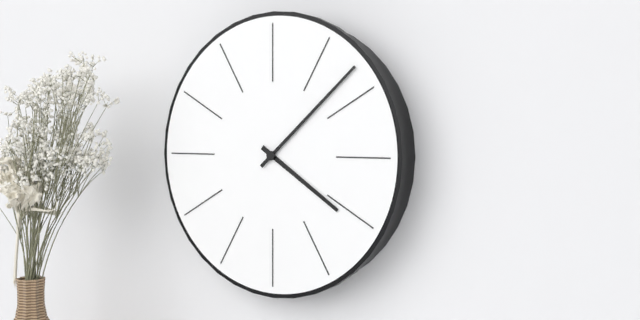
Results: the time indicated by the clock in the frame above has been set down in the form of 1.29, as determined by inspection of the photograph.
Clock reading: 4.08
